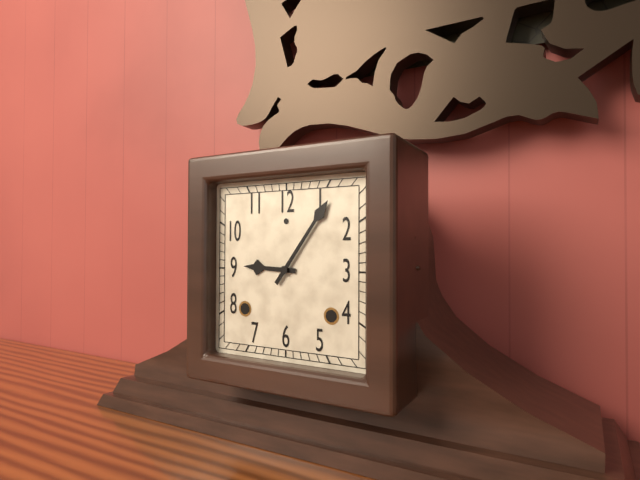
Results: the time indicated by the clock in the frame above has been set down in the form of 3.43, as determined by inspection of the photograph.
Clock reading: 9.06
